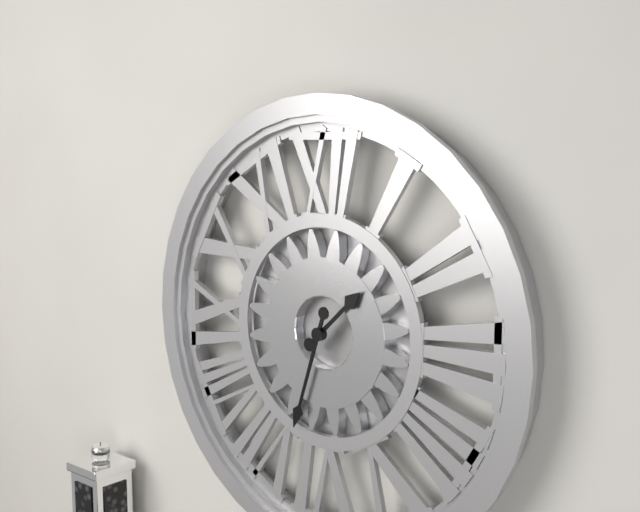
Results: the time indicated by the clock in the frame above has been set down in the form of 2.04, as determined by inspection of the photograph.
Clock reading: 1.33
